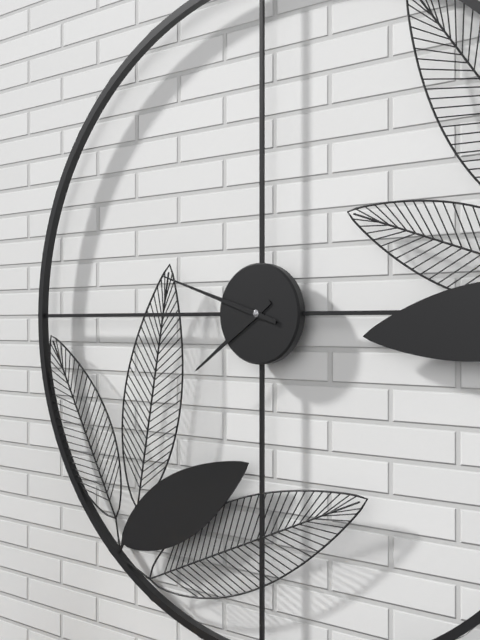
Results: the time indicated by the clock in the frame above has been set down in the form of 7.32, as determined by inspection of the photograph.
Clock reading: 7.48
